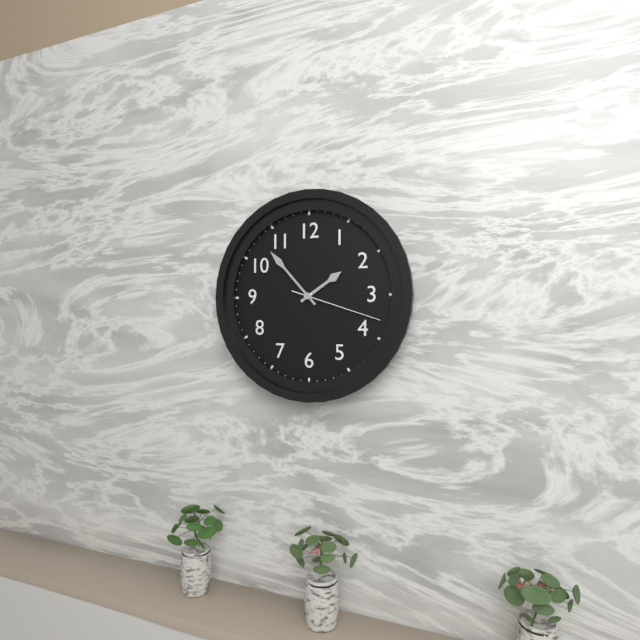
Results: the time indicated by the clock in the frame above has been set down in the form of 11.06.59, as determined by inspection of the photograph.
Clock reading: 1.53.18
